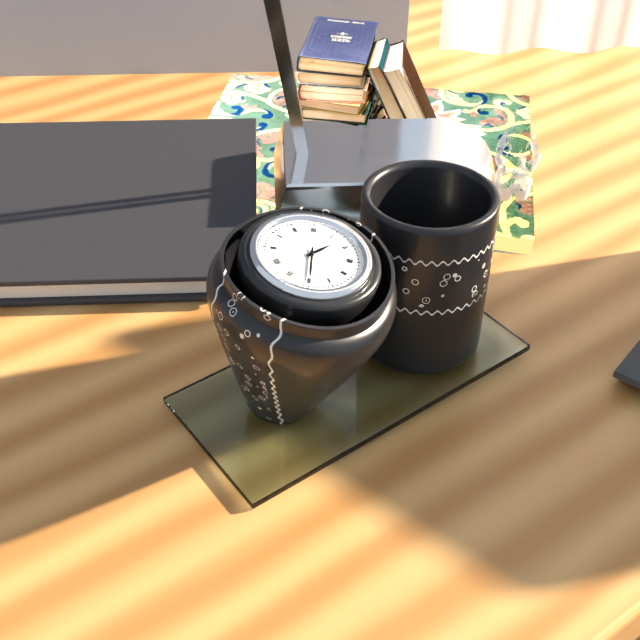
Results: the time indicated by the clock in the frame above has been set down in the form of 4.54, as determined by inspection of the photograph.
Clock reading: 1.30
